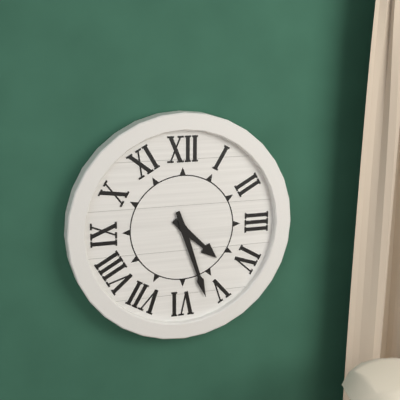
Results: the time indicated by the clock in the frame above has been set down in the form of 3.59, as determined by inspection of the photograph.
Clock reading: 4.27
